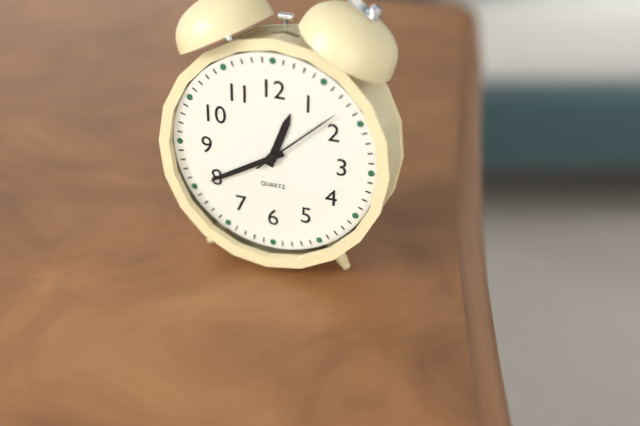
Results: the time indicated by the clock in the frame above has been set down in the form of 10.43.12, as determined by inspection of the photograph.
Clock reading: 12.40.08
